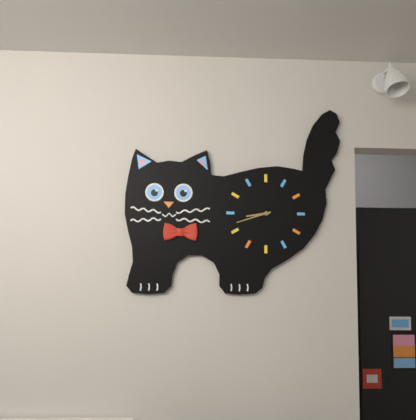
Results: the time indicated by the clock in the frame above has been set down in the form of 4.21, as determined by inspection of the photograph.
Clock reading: 8.42
